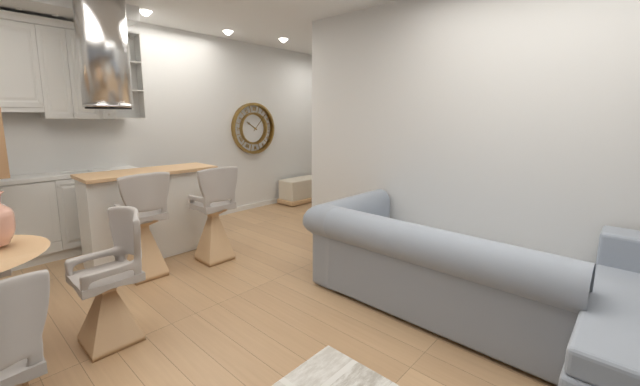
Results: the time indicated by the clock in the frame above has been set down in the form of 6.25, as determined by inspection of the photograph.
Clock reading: 10.07
